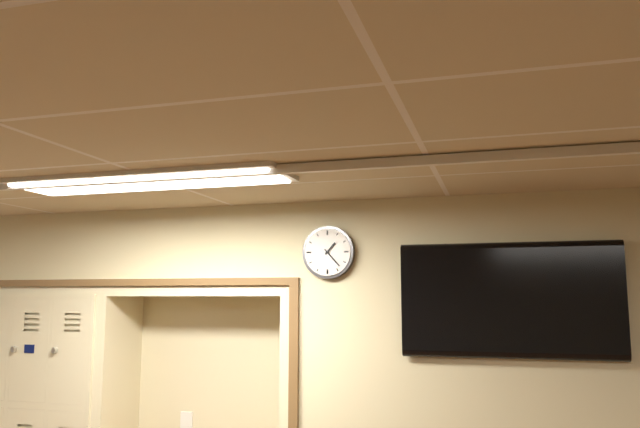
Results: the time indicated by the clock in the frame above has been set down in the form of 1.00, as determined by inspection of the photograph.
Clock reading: 1.23
